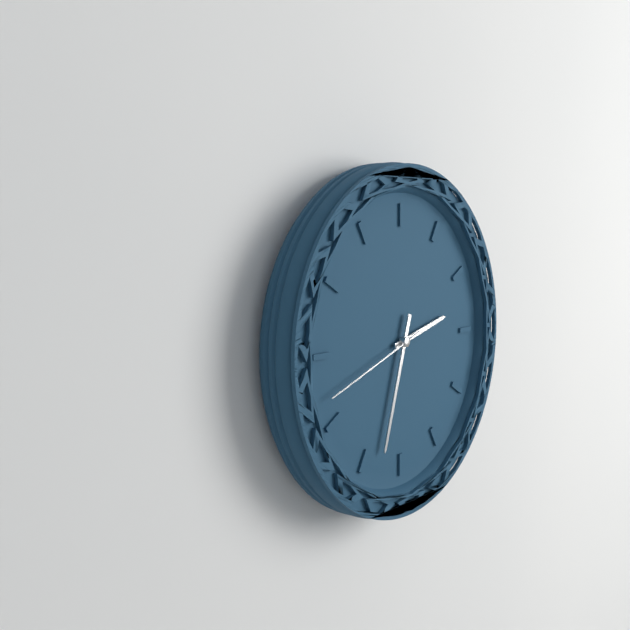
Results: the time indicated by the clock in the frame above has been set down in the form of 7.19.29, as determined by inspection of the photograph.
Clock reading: 2.33.42
